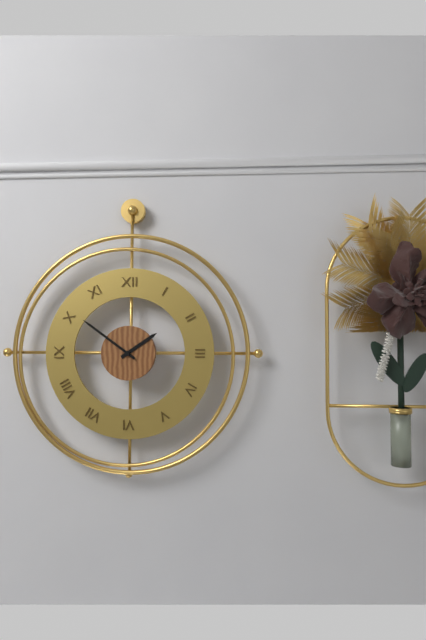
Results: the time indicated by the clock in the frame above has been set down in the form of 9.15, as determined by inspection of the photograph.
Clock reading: 1.51
